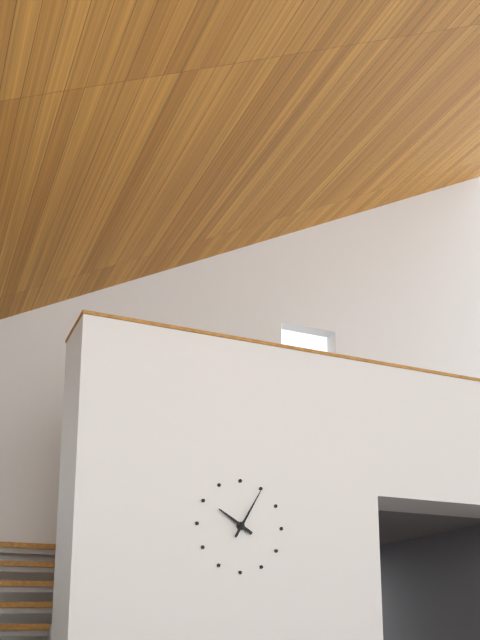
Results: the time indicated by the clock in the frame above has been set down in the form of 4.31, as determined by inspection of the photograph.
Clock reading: 10.05
